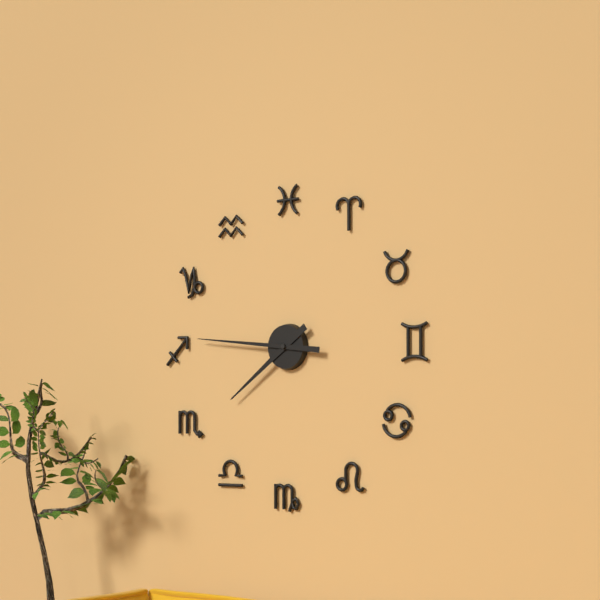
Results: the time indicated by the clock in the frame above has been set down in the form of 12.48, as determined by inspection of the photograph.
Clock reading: 7.46
